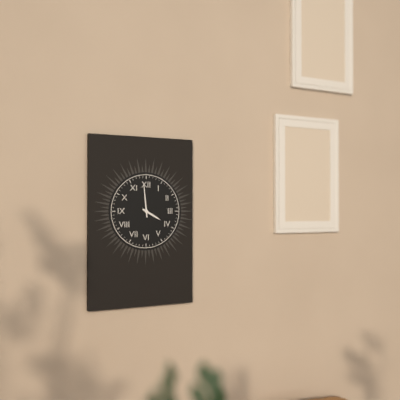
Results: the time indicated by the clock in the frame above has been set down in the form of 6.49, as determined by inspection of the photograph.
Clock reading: 3.59
